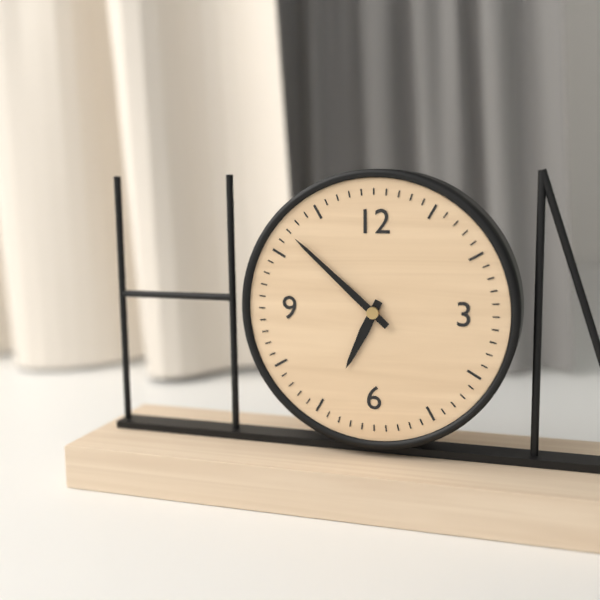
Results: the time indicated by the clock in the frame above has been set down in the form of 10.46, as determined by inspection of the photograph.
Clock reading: 6.52
